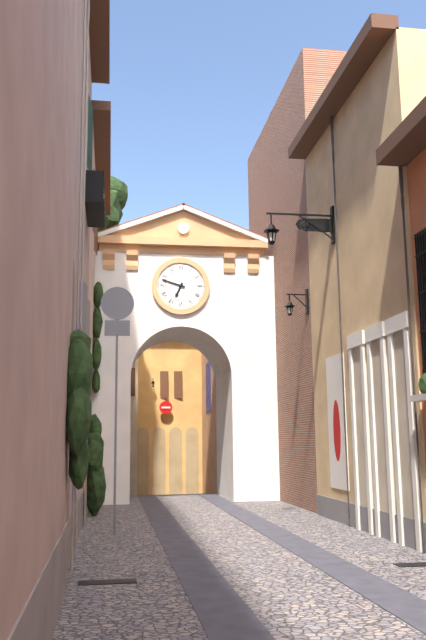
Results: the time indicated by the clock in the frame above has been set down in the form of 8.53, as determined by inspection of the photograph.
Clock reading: 6.48
